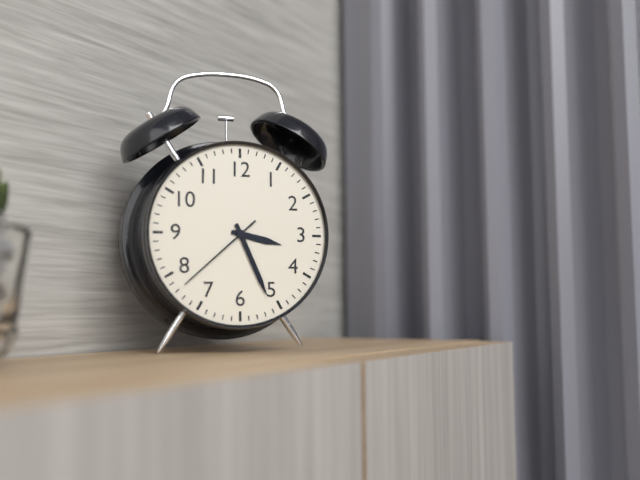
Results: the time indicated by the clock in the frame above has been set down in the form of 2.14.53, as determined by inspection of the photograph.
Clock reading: 3.26.38
